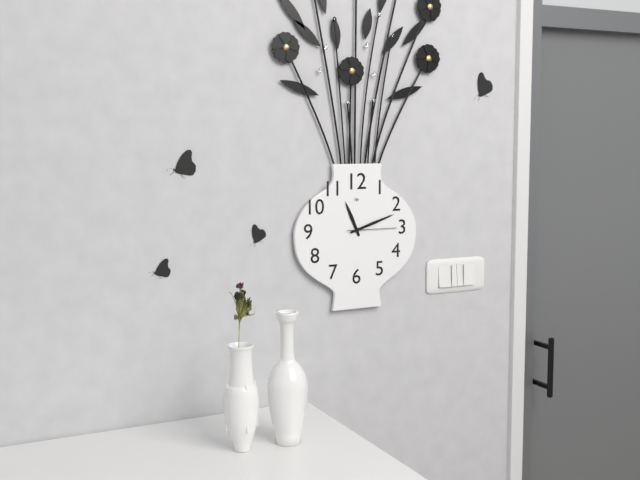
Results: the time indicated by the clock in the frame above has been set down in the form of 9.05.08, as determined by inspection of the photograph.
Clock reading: 11.12.15
